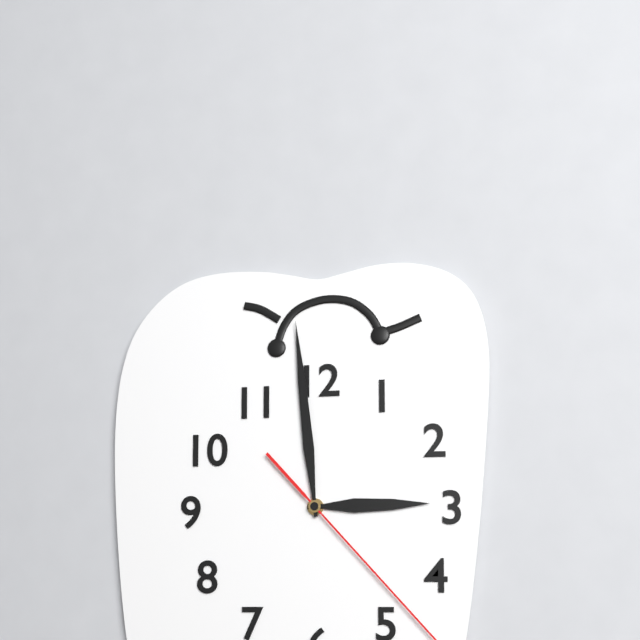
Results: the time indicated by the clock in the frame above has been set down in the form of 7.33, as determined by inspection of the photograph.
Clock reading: 2.59
